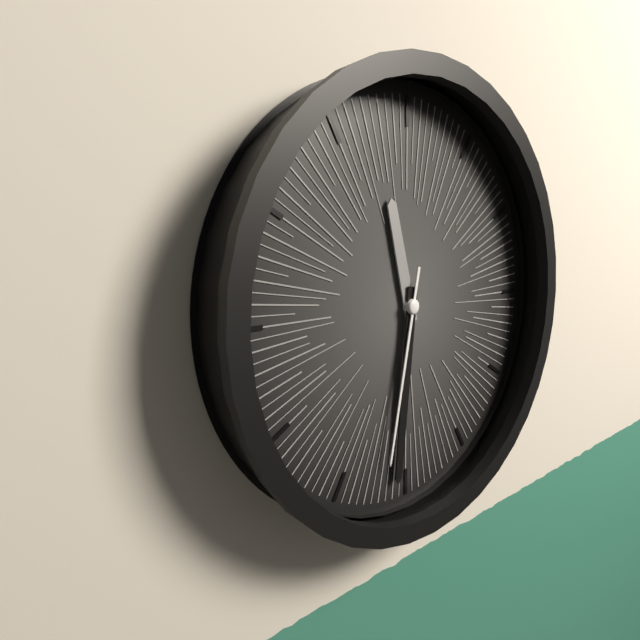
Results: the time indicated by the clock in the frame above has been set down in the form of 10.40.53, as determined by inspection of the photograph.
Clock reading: 11.31.32
